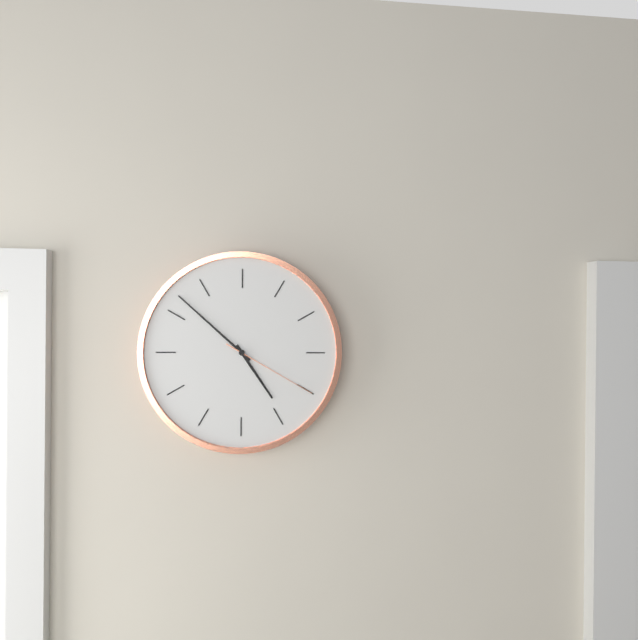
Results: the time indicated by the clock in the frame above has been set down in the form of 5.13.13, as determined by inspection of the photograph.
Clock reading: 4.52.20
